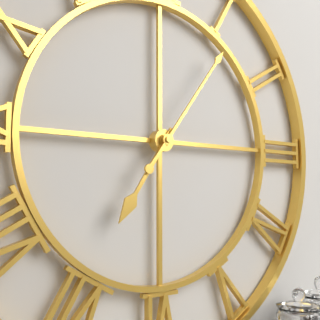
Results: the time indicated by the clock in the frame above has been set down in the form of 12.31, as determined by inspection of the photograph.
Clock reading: 7.06
